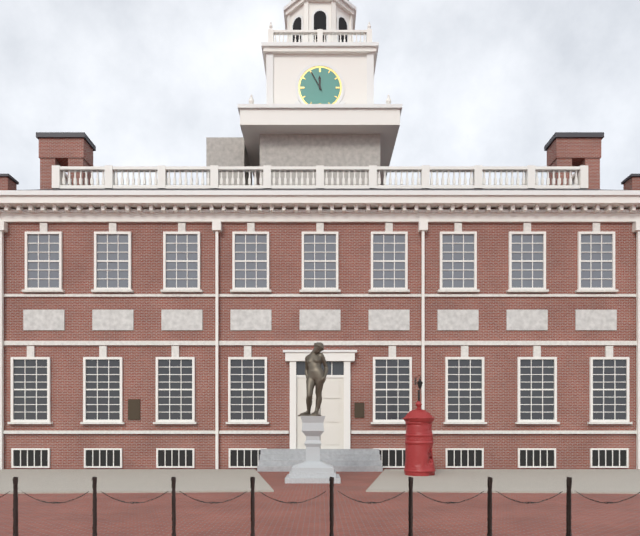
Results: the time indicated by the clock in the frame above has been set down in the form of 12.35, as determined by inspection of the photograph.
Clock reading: 11.55
